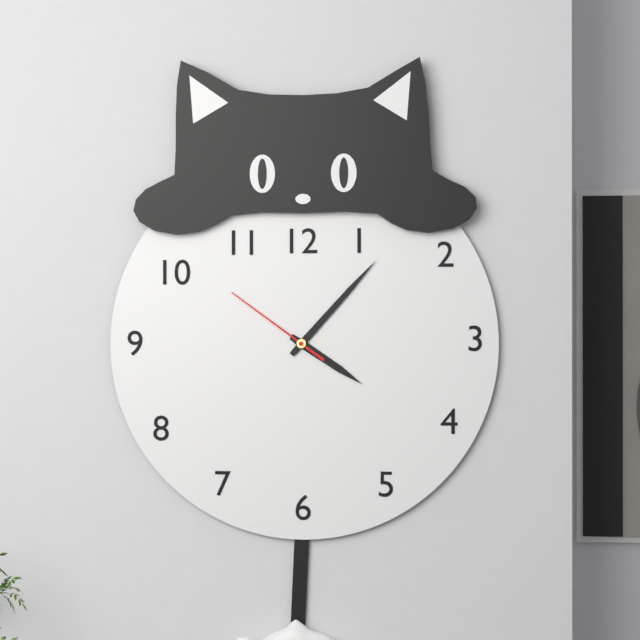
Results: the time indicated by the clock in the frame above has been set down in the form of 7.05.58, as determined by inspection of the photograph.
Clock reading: 4.07.51
